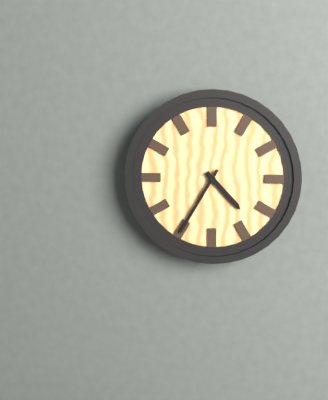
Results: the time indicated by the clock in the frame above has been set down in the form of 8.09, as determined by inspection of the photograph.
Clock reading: 4.35
